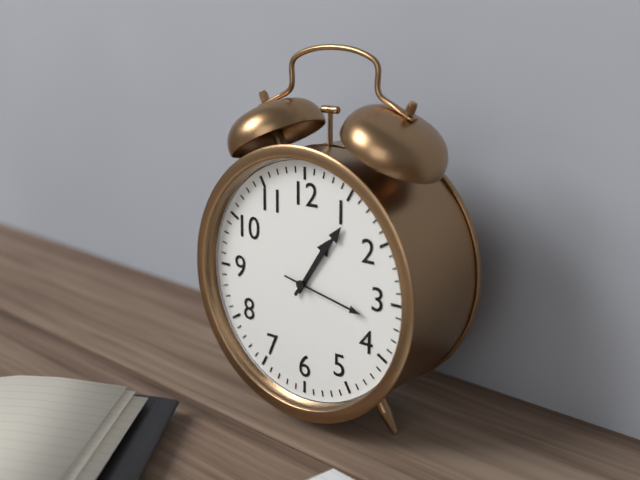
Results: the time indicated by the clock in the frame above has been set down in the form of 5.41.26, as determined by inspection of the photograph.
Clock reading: 1.06.17
